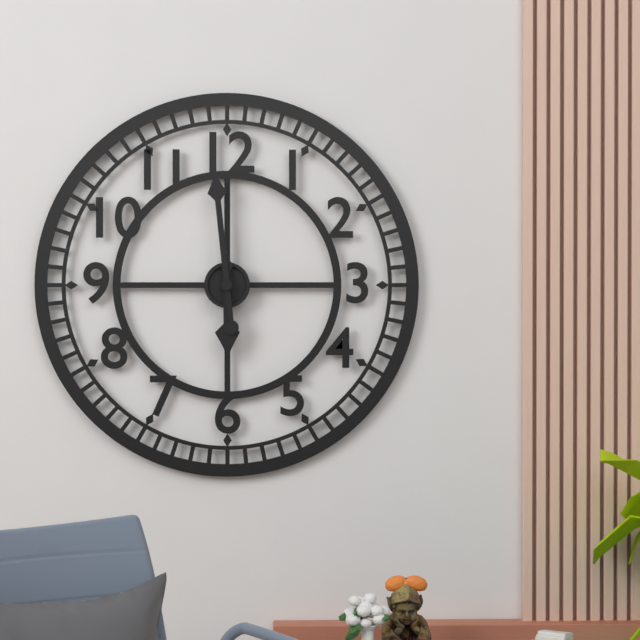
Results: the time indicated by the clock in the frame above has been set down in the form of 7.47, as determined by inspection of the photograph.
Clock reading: 5.59
